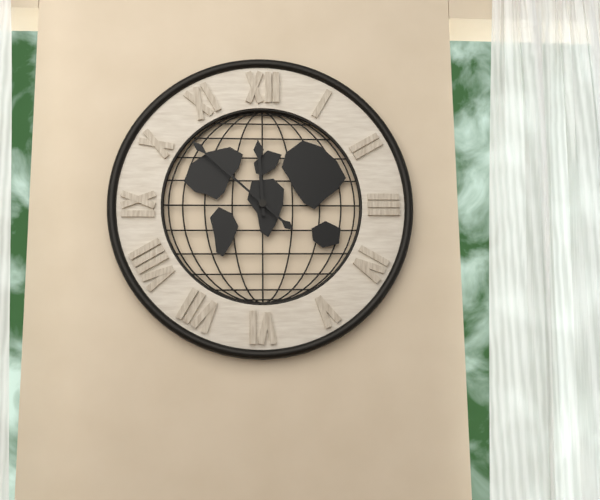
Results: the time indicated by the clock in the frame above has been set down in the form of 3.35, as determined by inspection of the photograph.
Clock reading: 11.52
